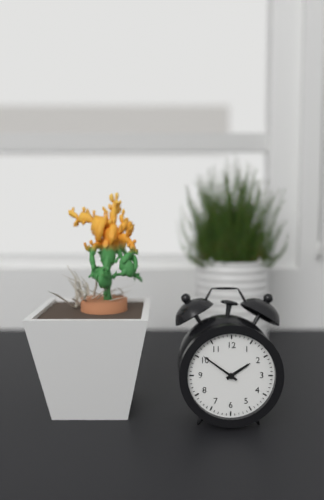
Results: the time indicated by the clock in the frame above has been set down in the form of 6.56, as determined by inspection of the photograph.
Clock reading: 1.51
